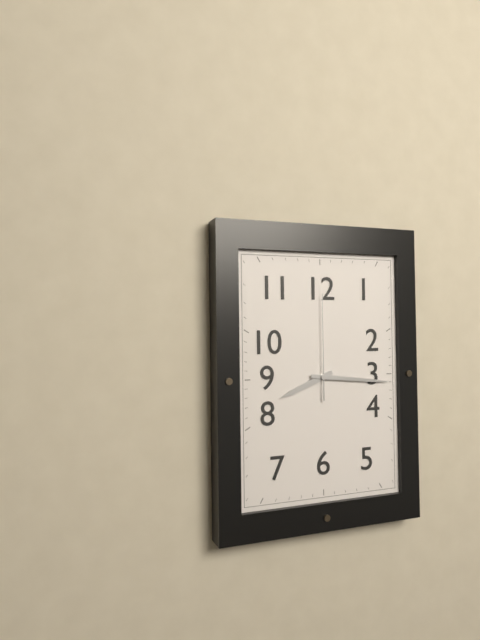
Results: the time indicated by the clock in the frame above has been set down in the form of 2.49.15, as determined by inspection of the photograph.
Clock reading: 8.16.00
